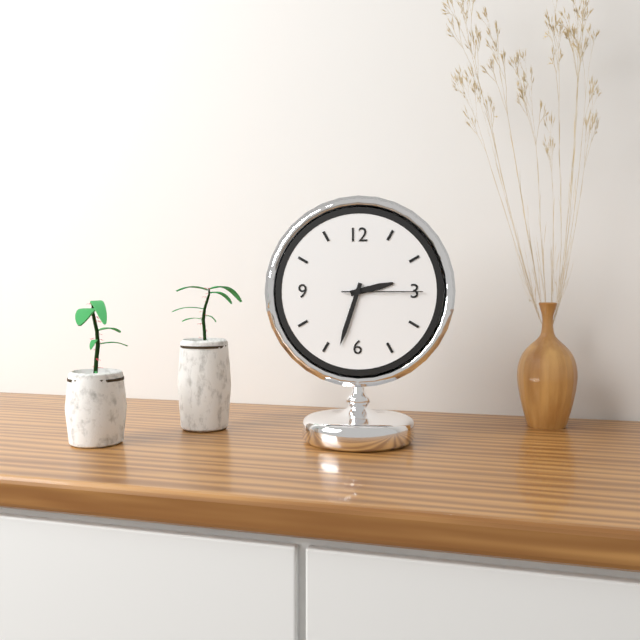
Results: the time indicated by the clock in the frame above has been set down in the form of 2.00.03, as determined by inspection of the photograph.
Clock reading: 2.33.15
